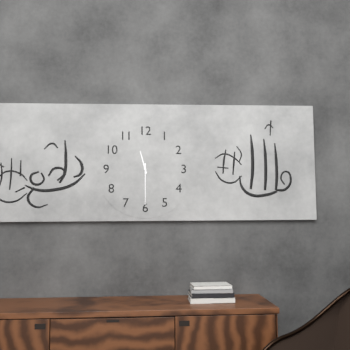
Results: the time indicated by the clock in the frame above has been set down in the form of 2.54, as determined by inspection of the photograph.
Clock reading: 11.30
